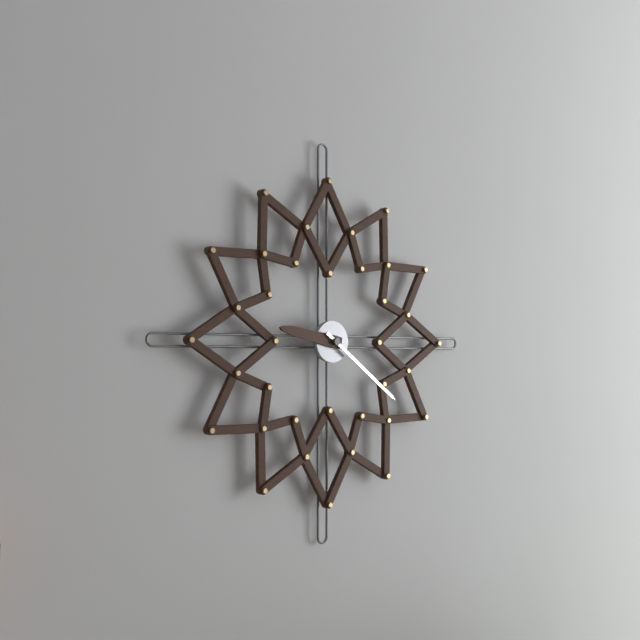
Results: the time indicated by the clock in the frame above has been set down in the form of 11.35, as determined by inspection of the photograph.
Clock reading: 9.21
